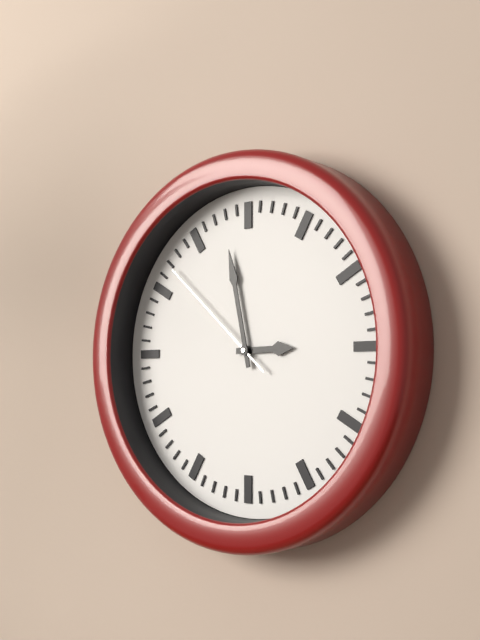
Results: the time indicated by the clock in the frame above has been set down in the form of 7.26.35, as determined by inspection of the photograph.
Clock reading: 2.58.52
